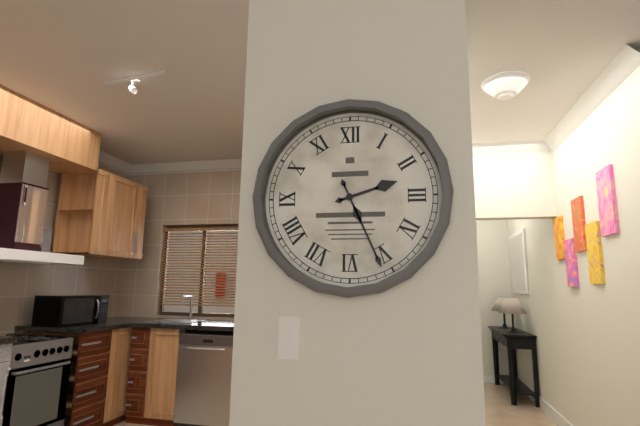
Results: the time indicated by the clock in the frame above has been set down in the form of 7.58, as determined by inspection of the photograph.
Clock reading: 2.26
